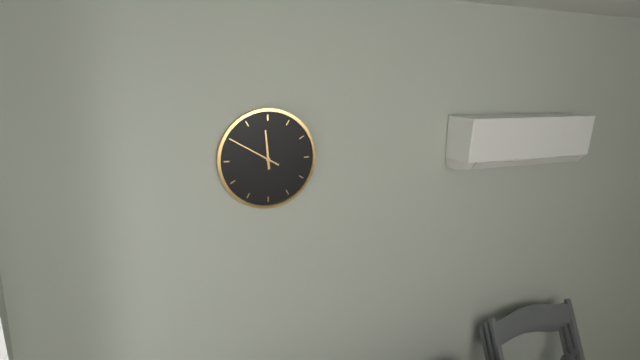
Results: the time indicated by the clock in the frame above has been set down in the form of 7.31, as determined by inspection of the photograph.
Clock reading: 11.50
